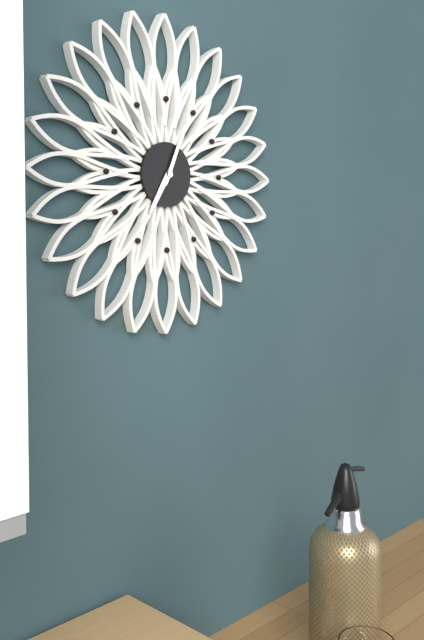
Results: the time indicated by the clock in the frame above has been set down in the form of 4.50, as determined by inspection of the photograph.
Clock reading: 7.04
